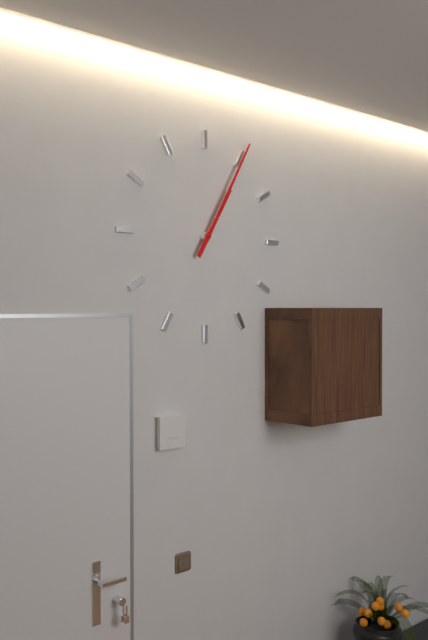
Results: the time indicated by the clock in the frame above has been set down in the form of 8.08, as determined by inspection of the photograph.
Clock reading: 1.05
